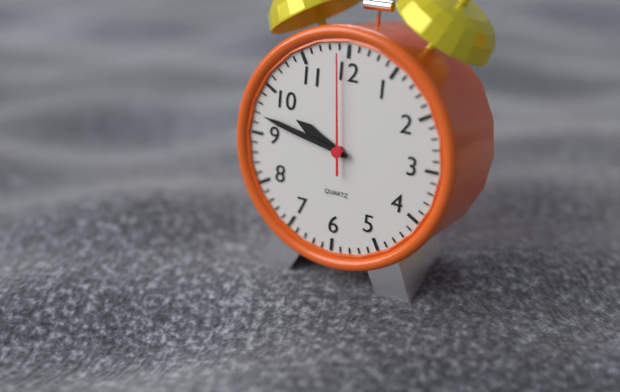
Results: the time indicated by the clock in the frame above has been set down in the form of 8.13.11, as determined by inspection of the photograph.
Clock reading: 9.47.59
